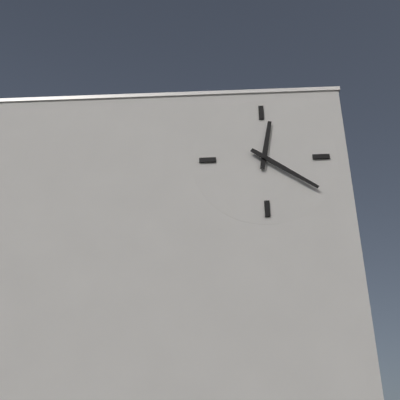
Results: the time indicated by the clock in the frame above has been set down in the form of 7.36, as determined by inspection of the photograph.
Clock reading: 12.21
